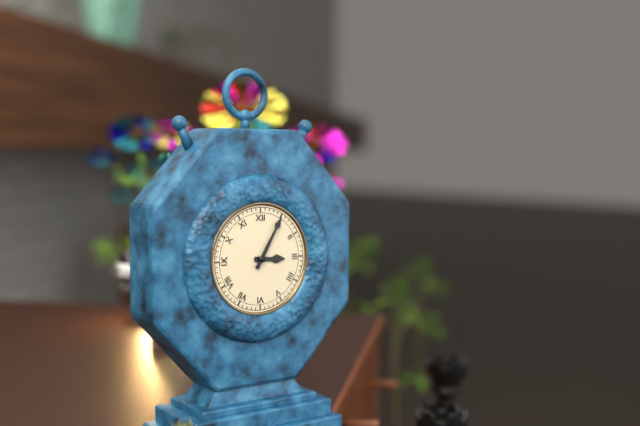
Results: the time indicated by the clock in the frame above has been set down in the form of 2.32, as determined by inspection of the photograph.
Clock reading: 3.05
